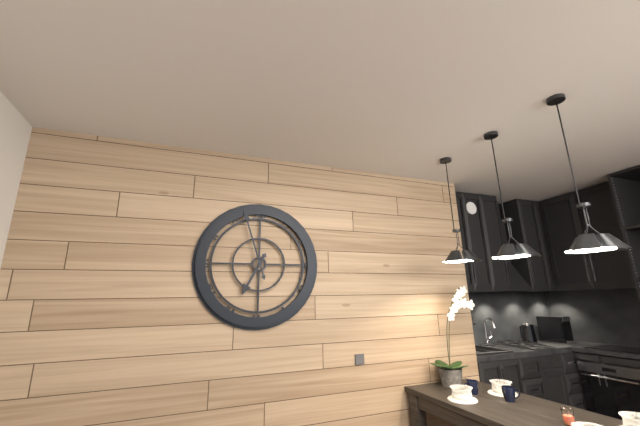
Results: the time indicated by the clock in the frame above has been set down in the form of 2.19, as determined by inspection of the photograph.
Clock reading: 6.57
